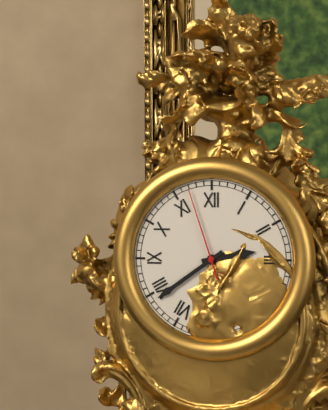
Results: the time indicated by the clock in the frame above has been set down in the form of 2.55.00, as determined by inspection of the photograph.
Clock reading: 2.39.57
